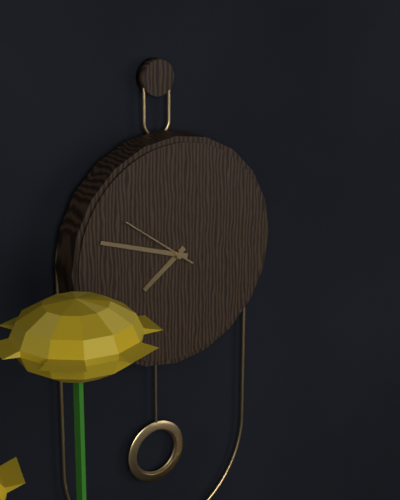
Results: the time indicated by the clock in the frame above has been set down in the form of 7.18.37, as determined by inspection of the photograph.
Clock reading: 7.48.51
